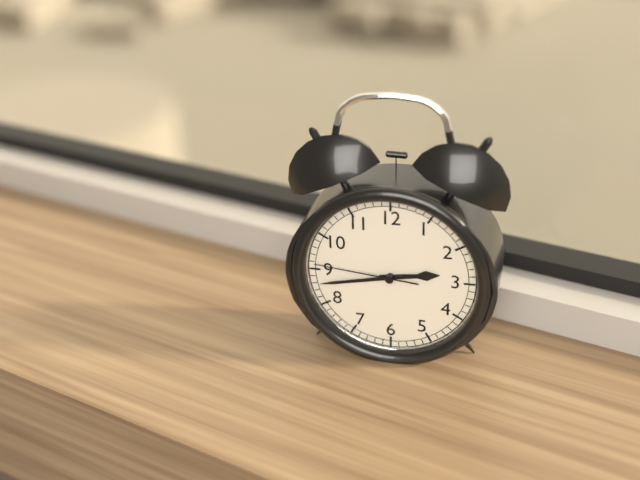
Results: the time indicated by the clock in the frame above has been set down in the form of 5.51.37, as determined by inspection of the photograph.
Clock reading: 2.43.46
